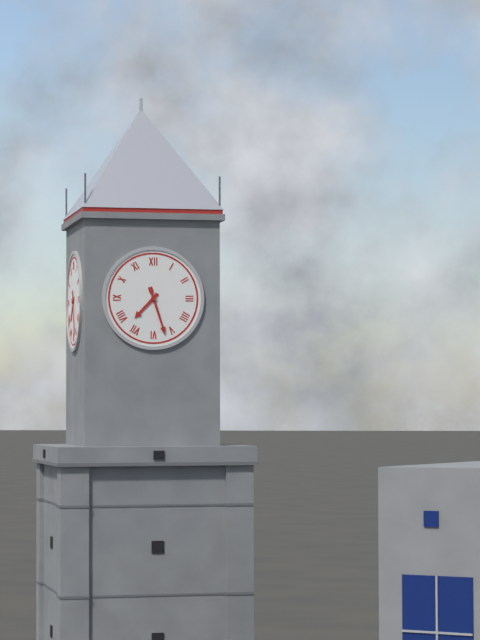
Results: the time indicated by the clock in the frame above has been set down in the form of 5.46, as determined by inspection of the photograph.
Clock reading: 7.27
